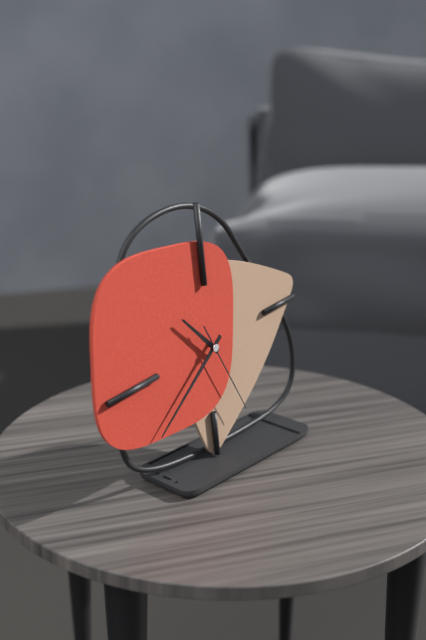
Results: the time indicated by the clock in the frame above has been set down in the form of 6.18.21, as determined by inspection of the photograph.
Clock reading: 10.39.26
